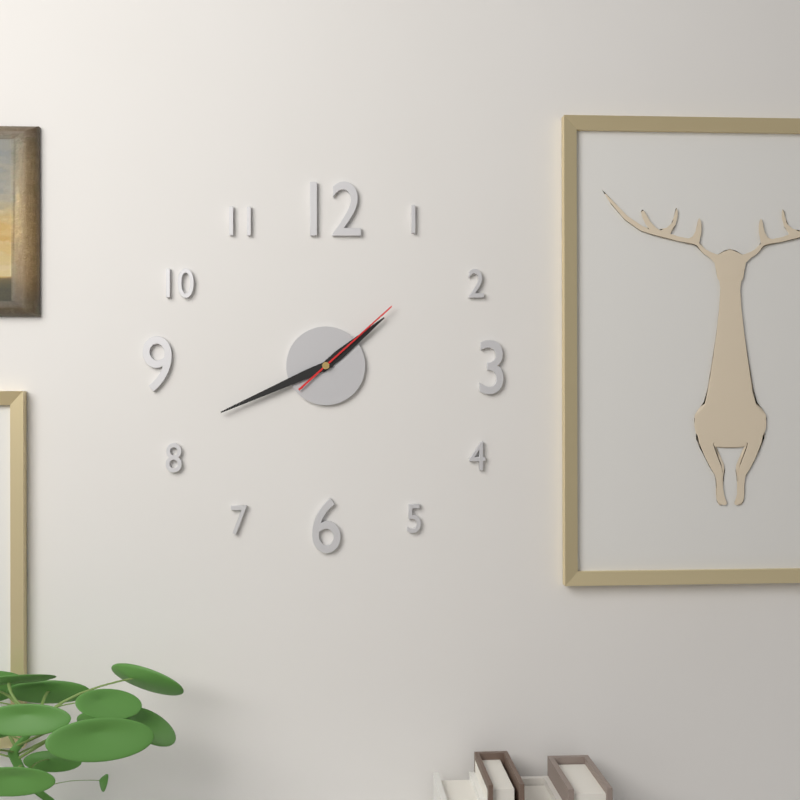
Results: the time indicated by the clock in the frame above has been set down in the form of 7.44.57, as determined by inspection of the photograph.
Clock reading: 1.41.08
